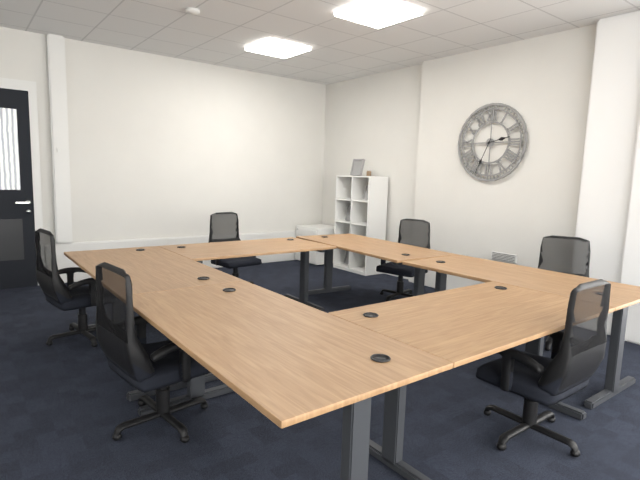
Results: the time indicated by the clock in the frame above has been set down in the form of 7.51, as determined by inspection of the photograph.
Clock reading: 2.34
